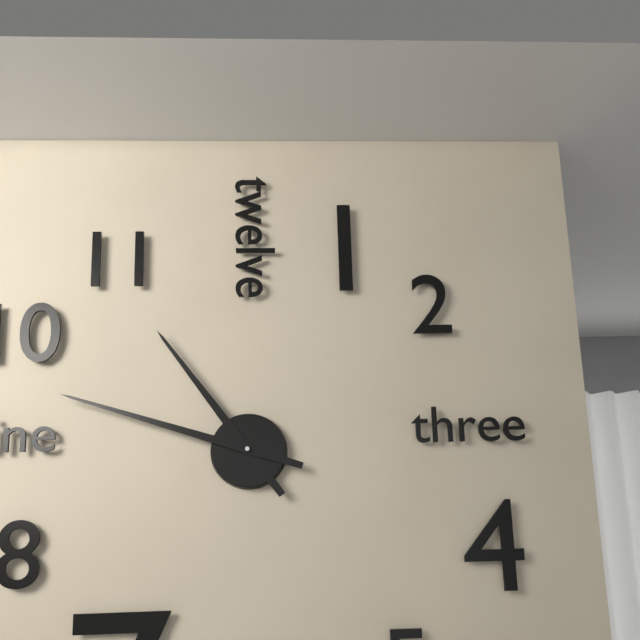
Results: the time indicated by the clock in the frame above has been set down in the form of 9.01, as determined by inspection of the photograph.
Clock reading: 10.48
